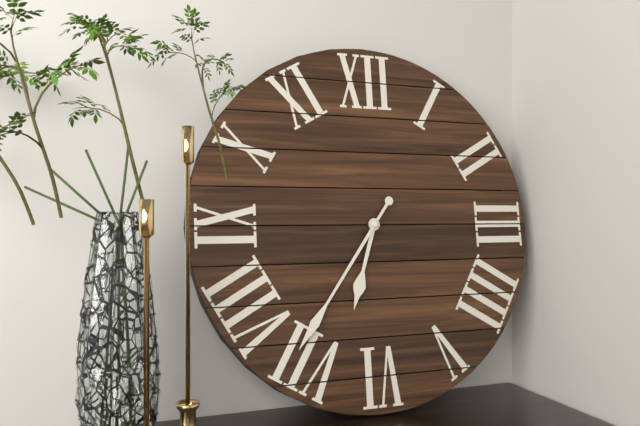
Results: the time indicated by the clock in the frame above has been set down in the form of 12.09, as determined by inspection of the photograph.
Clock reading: 6.36
